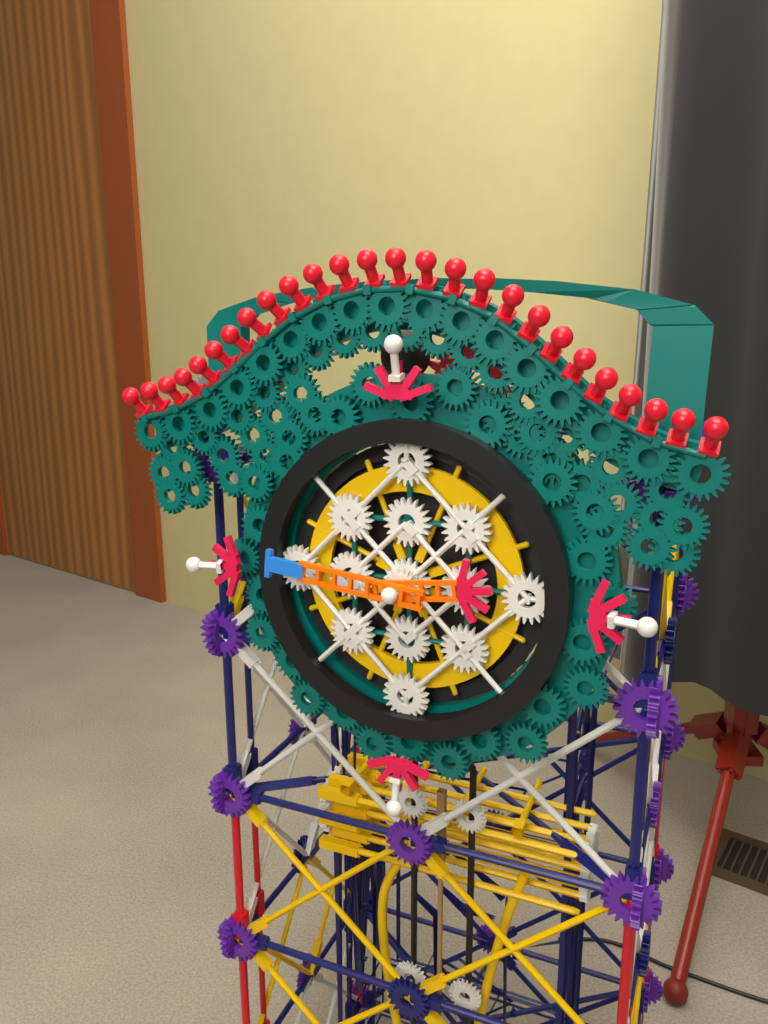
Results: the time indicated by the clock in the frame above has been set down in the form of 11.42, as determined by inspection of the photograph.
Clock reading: 2.46
